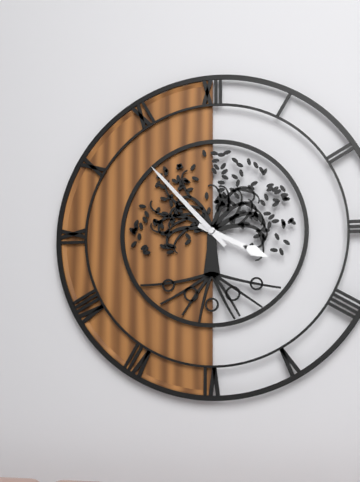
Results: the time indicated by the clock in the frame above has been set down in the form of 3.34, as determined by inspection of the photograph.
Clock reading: 3.53
